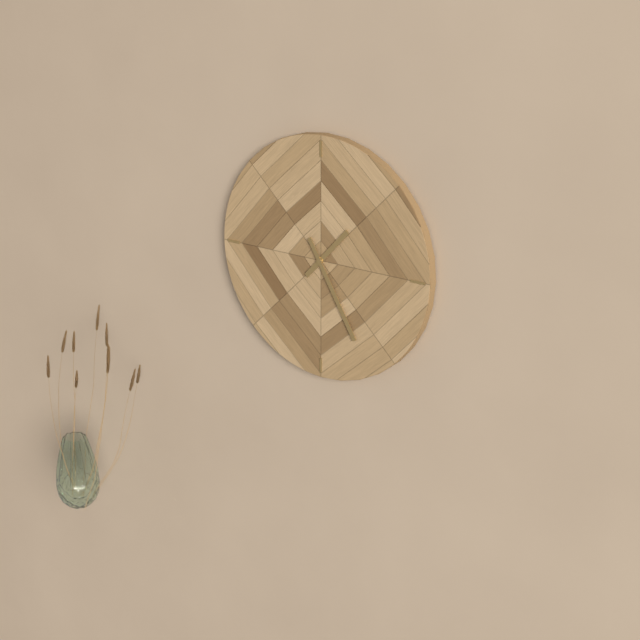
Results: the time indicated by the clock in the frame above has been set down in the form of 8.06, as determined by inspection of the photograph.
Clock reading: 1.25
